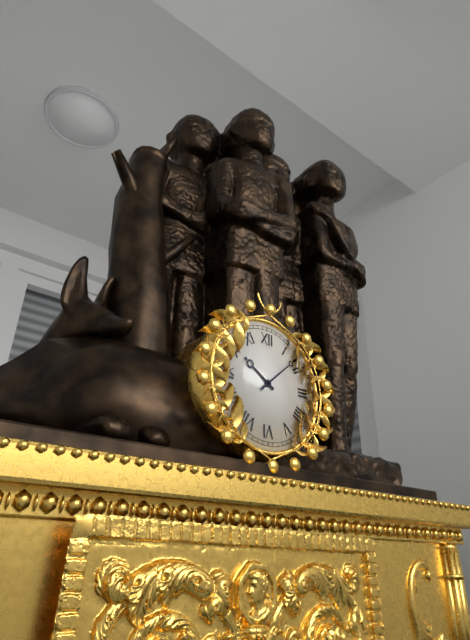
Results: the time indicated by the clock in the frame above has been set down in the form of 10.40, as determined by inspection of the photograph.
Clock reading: 10.08
